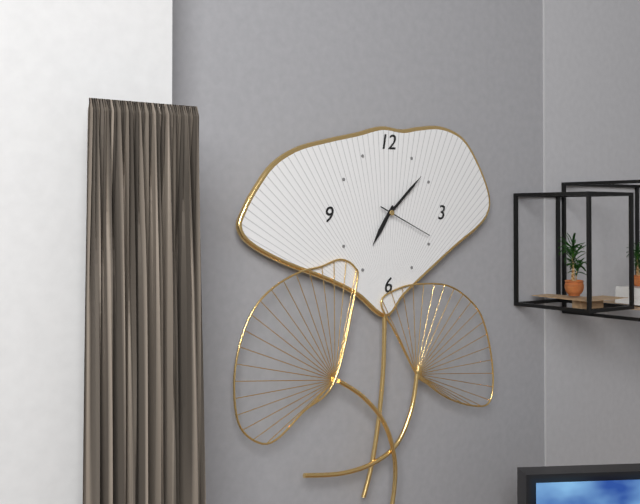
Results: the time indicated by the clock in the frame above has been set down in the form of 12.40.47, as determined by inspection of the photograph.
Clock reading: 7.08.19
